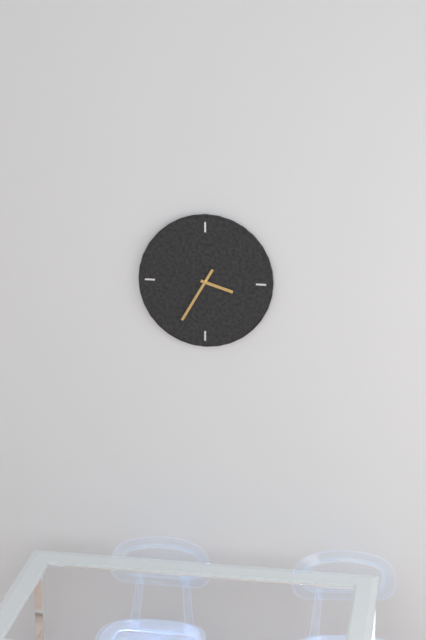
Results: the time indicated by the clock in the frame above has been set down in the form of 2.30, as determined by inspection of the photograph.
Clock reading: 3.35
